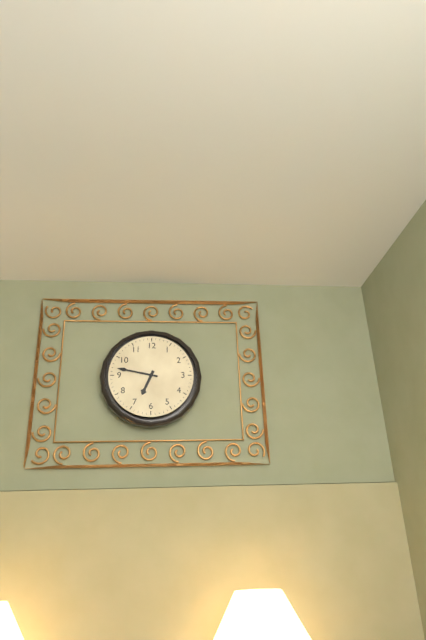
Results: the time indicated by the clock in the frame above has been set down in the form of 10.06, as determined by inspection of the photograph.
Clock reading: 6.47
